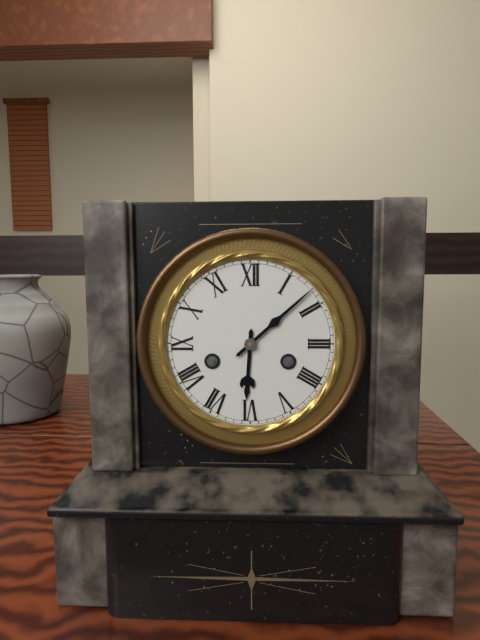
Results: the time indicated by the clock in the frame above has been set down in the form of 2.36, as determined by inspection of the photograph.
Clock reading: 6.08
